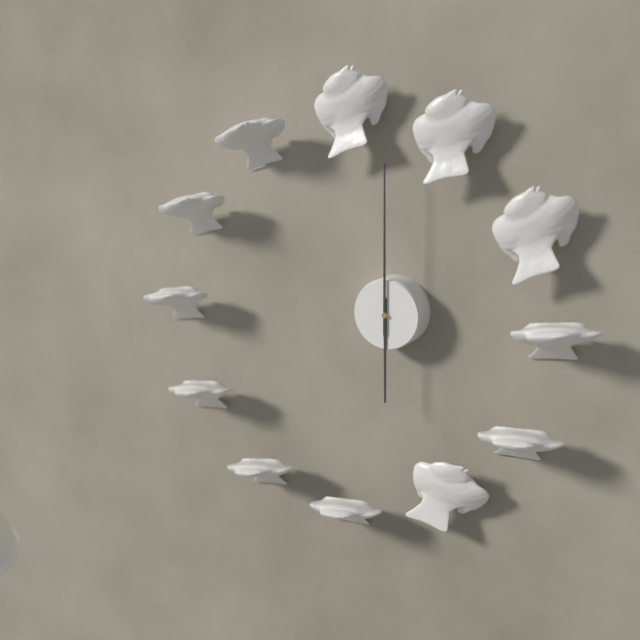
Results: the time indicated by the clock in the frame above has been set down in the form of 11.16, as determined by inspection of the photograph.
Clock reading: 6.00
